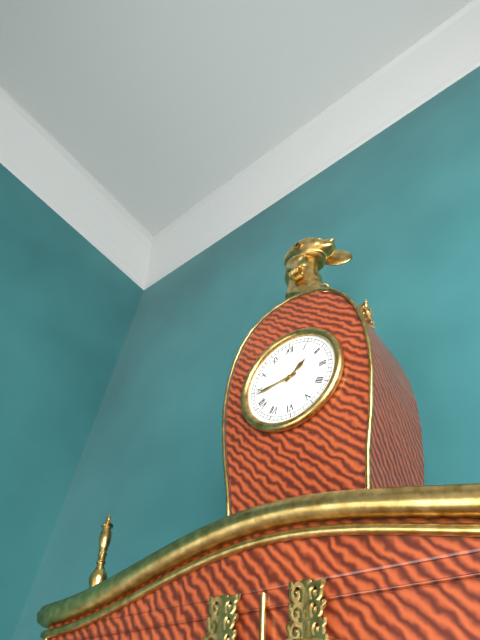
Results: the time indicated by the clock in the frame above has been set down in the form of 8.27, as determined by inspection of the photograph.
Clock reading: 1.44
